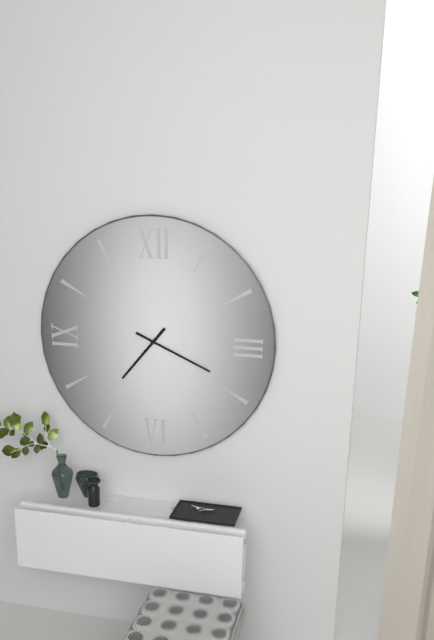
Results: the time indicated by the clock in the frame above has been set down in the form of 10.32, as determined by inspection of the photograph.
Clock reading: 7.19
